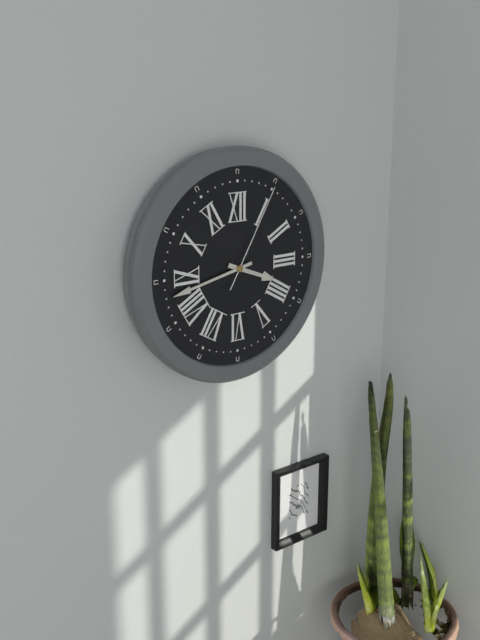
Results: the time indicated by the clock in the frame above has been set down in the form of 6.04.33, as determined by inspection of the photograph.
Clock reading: 3.43.05
